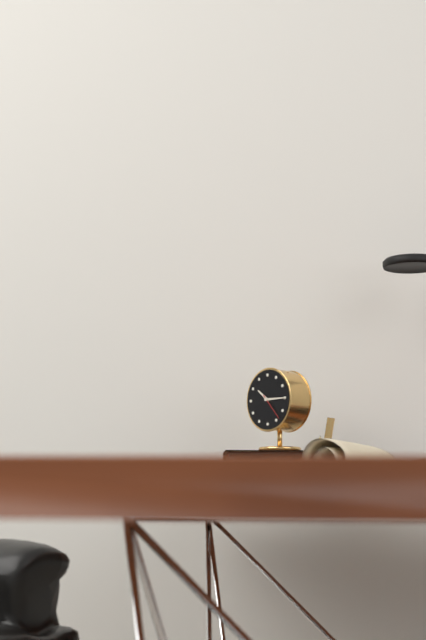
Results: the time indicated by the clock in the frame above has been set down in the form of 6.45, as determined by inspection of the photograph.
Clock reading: 10.15
